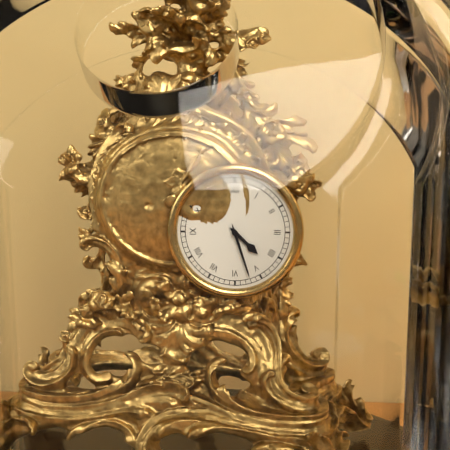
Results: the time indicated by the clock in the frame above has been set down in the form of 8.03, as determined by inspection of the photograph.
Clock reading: 4.27
